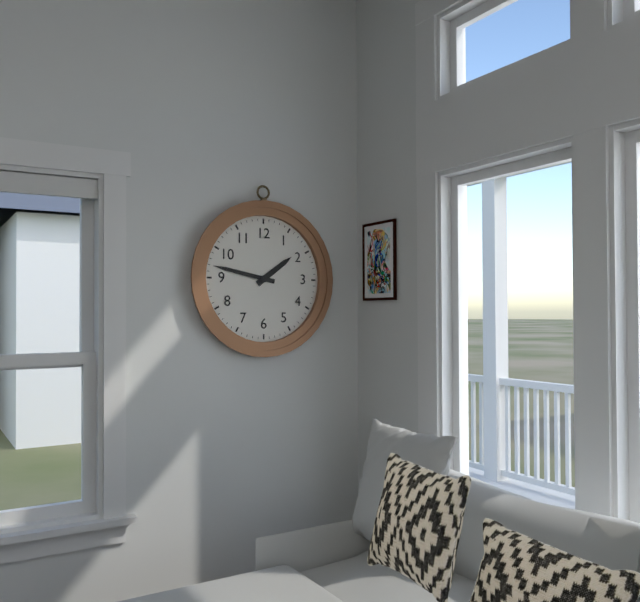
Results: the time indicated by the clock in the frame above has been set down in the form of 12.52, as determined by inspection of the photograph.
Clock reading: 1.47
